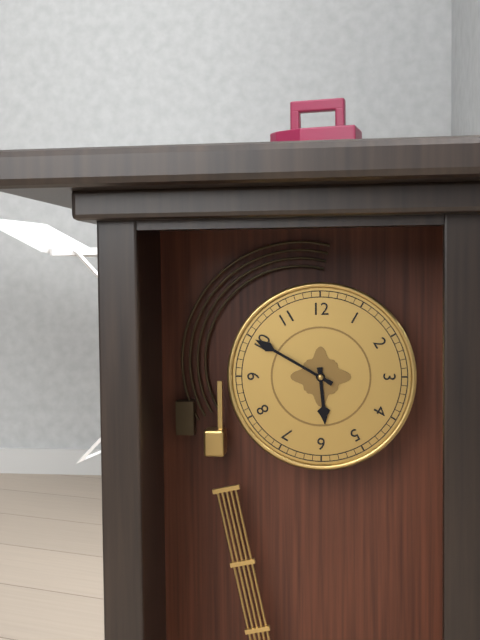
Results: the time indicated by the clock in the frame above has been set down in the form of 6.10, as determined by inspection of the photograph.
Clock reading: 5.50
